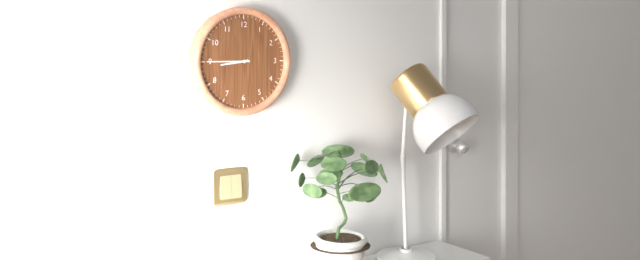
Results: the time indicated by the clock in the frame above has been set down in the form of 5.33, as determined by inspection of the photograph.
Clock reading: 8.45
